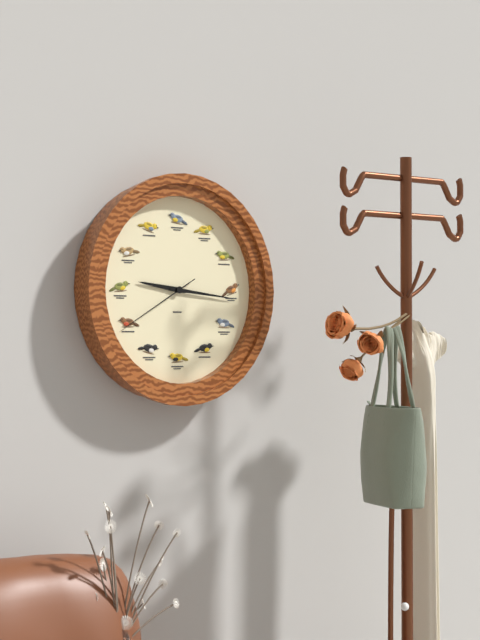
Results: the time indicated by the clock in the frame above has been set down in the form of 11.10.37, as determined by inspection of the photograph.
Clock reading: 9.16.40
